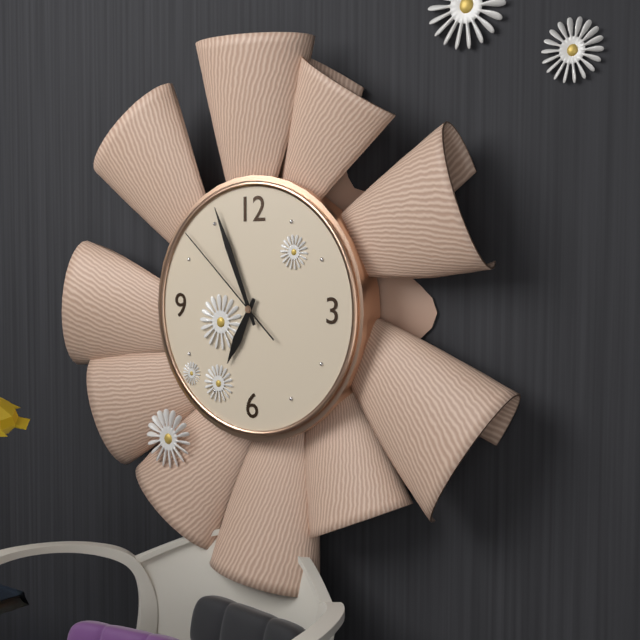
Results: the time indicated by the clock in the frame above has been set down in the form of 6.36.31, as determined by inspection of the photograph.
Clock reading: 6.56.52
